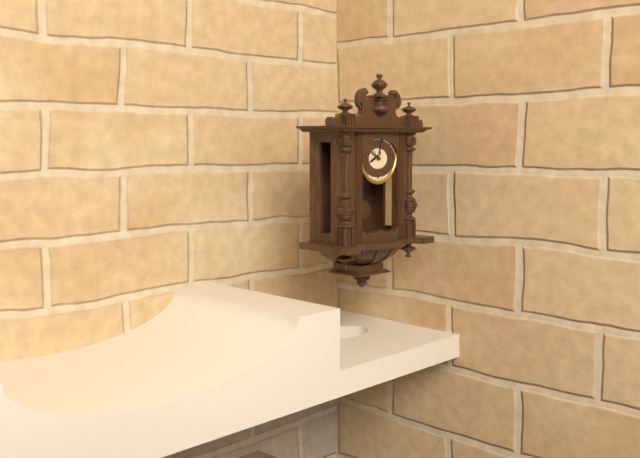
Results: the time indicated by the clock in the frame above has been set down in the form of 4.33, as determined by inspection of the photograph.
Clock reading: 8.03
